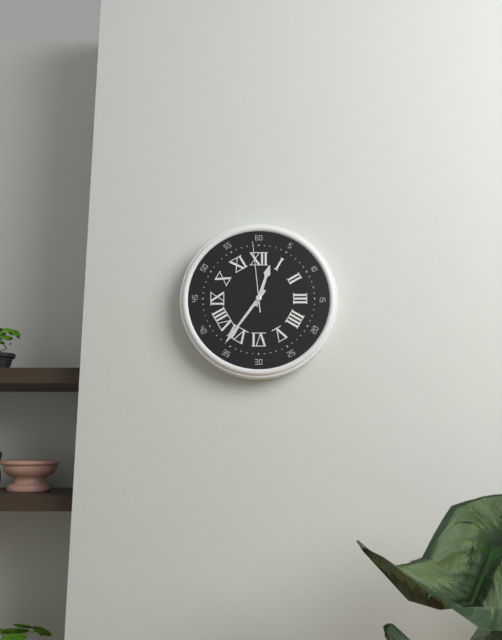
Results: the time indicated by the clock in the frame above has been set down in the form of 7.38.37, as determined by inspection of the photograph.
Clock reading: 12.36.59
